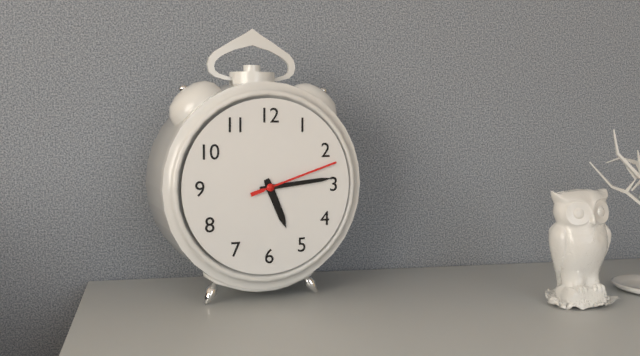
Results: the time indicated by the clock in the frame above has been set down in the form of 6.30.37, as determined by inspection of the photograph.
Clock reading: 5.14.12
